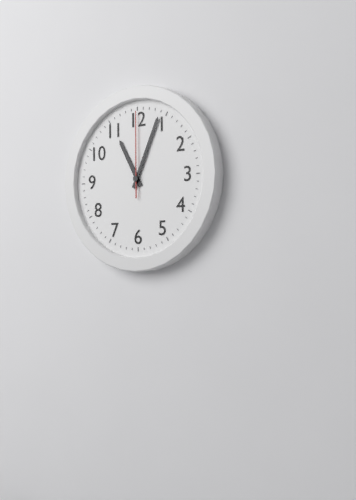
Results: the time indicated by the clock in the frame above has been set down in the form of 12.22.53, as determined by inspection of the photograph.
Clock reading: 11.04.00
